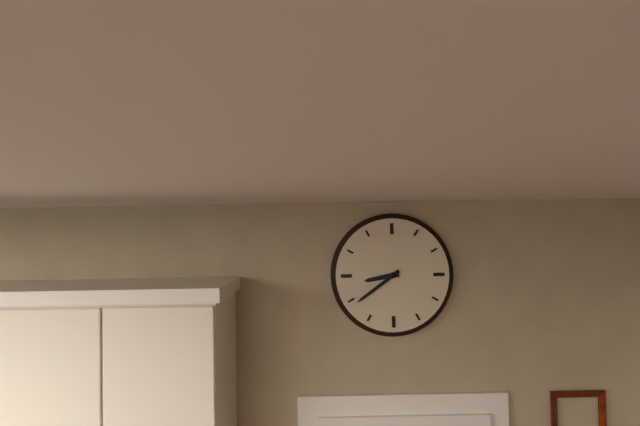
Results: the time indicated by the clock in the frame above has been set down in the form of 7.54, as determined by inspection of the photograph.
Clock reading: 8.39
